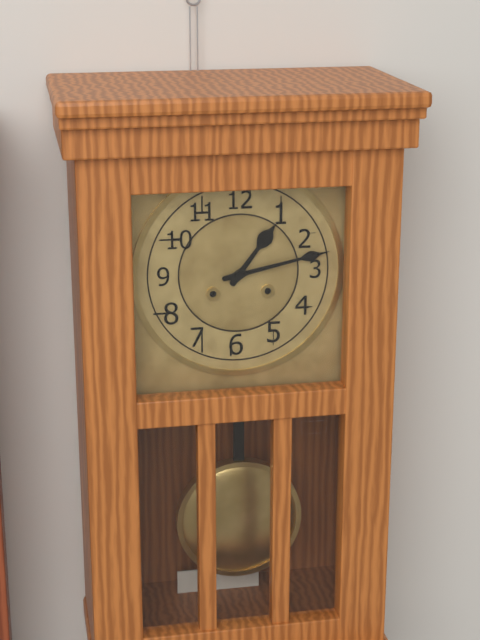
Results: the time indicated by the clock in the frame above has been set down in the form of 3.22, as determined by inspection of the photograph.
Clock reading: 1.13
